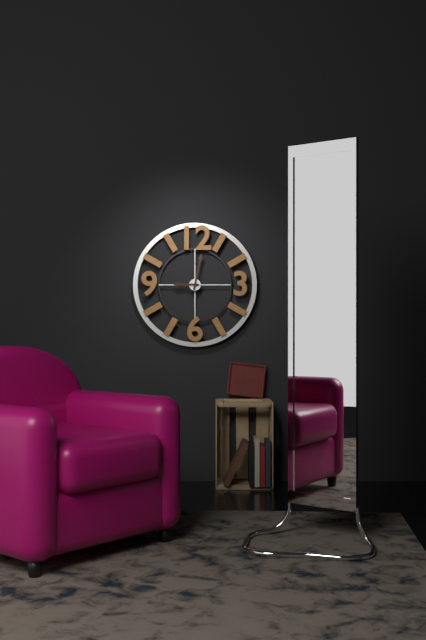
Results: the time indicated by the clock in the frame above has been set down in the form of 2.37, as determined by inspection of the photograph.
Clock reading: 9.02
